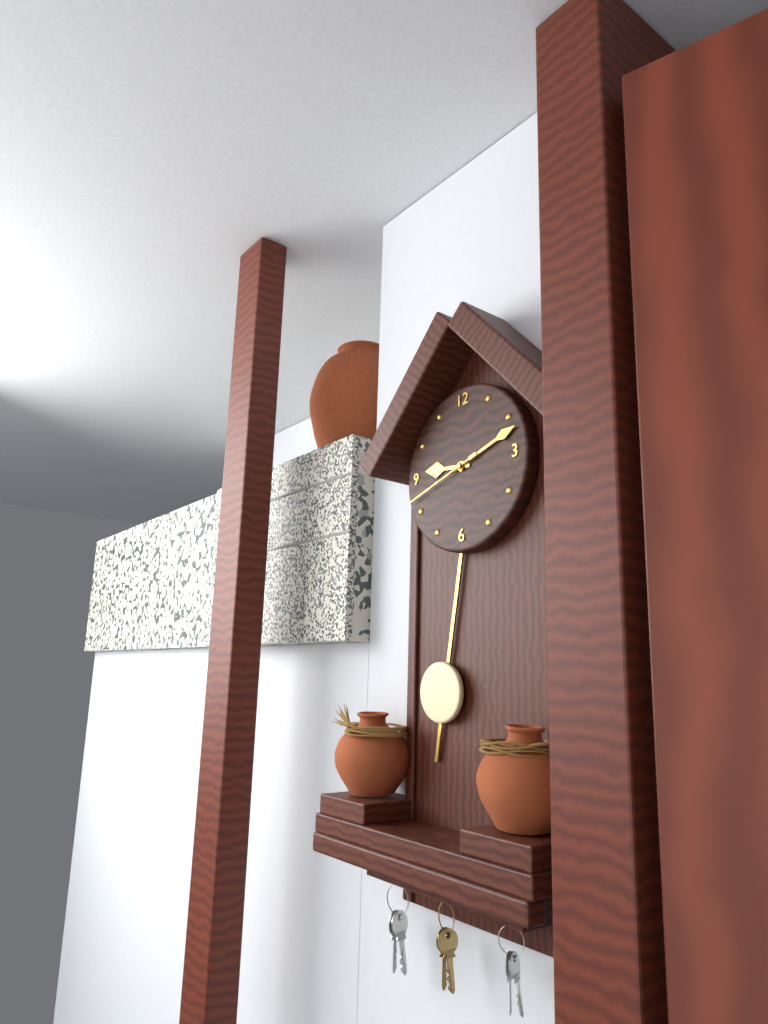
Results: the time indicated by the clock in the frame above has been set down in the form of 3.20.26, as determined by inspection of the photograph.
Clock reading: 9.12.42
